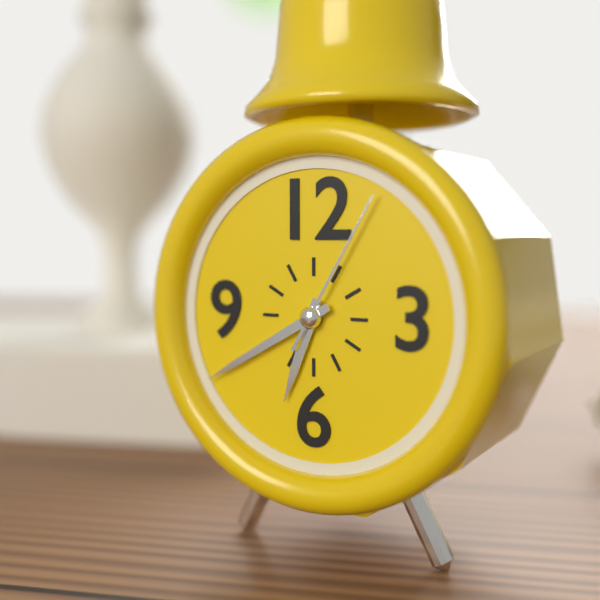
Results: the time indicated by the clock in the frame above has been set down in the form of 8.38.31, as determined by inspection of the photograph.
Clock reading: 6.40.05
